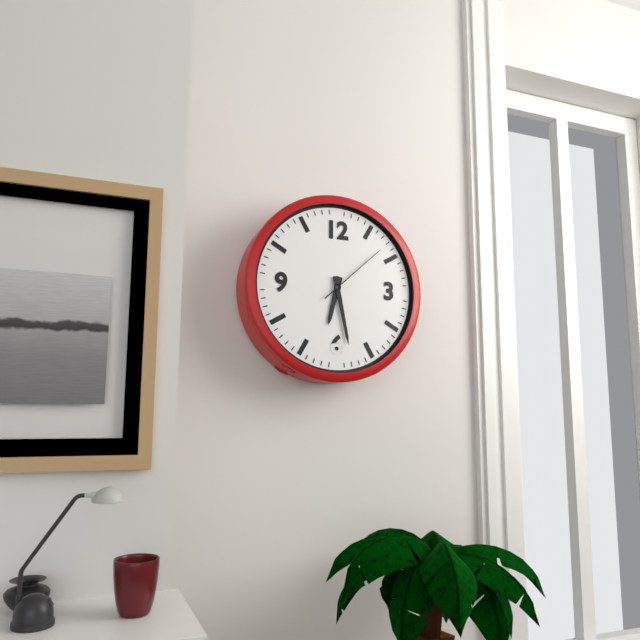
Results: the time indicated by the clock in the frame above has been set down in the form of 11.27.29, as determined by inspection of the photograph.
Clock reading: 6.28.08
